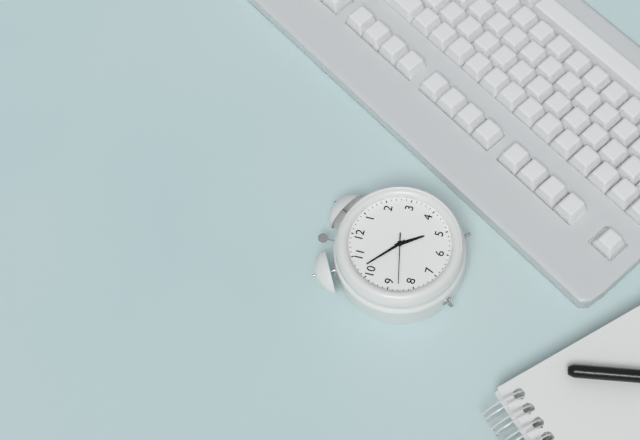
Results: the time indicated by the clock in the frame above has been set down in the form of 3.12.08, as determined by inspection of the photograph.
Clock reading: 4.52.43
